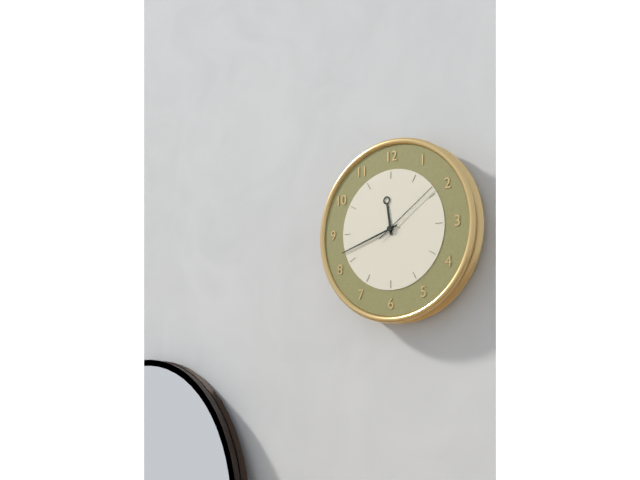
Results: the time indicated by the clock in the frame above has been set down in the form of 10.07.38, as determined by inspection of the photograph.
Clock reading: 11.42.09
